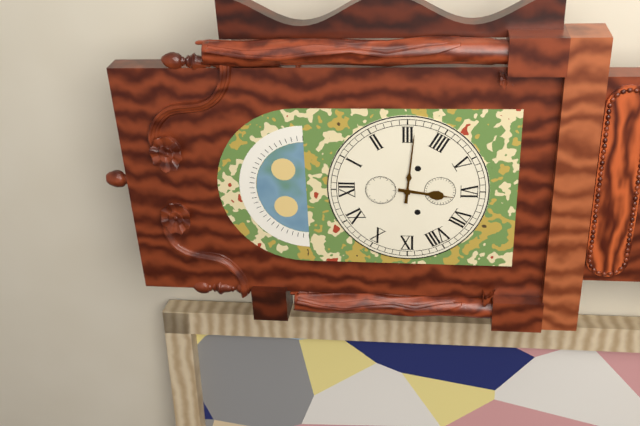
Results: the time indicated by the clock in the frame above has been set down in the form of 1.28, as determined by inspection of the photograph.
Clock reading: 6.16
